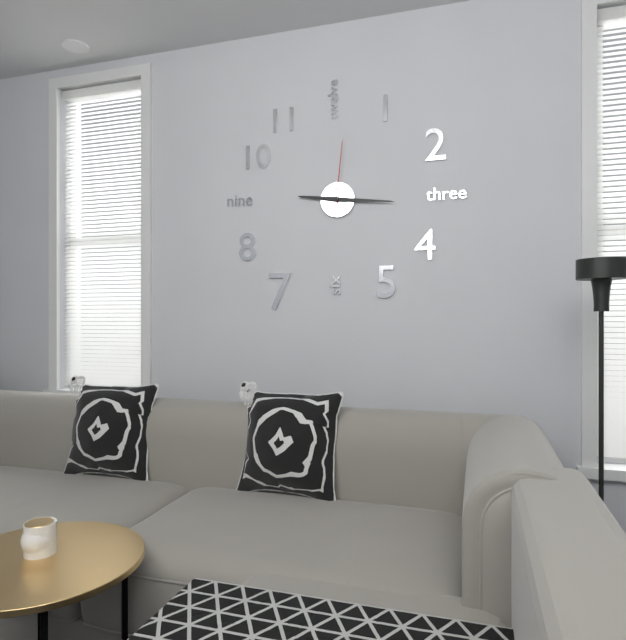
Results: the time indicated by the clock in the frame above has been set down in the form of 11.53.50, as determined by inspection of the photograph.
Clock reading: 9.16.01
